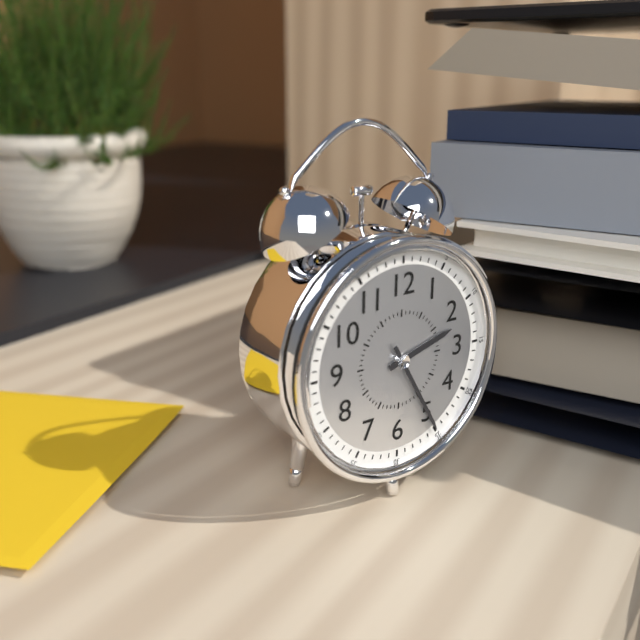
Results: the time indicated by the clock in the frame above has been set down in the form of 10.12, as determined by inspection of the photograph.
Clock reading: 2.25
